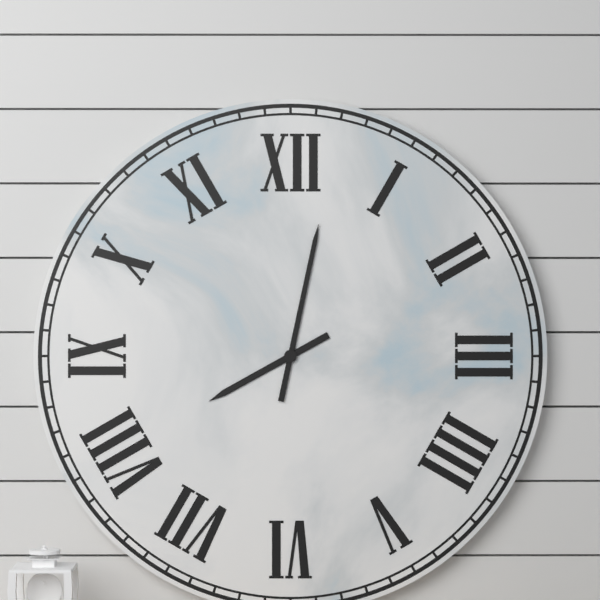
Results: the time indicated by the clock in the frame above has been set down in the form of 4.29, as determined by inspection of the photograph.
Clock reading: 8.02
